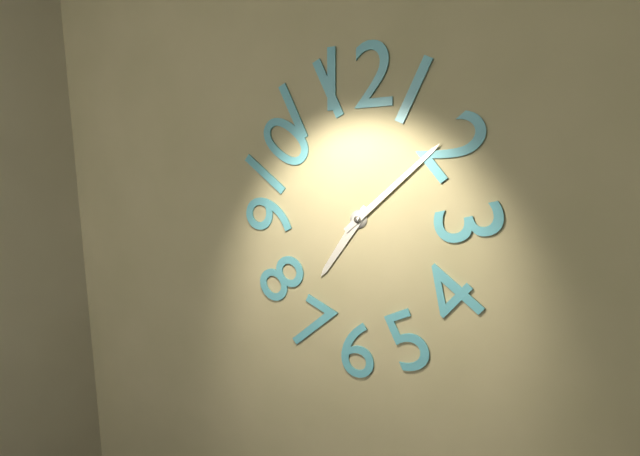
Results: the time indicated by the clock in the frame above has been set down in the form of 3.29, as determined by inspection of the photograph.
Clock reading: 7.08
